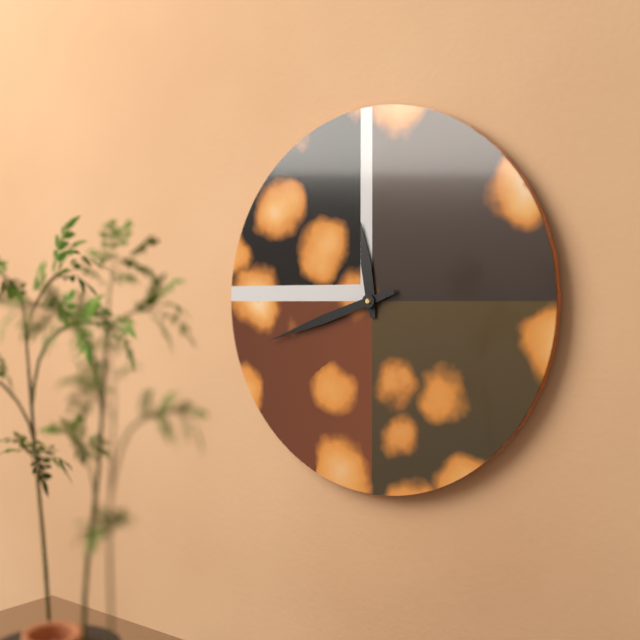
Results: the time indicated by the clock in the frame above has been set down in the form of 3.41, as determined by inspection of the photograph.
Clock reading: 11.42
